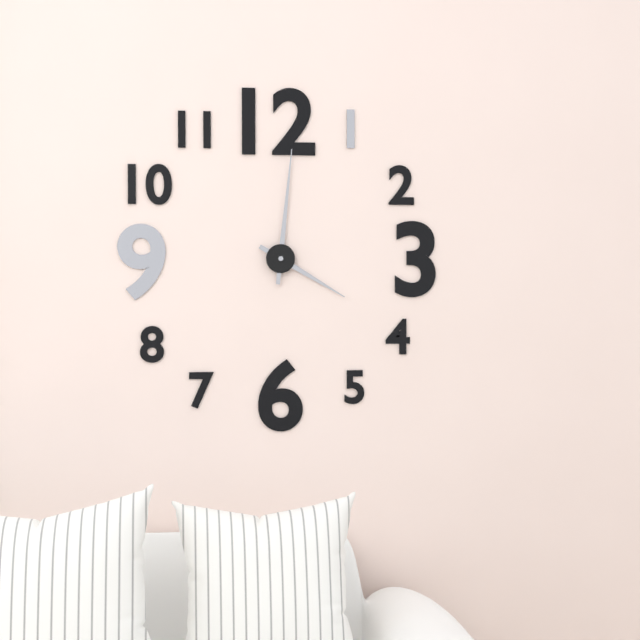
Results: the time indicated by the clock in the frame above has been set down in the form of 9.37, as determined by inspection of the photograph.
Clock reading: 4.01
